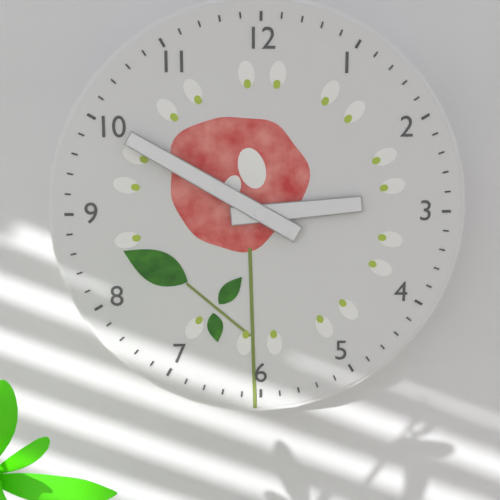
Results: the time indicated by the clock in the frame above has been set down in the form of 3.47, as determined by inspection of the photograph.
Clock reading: 2.50
